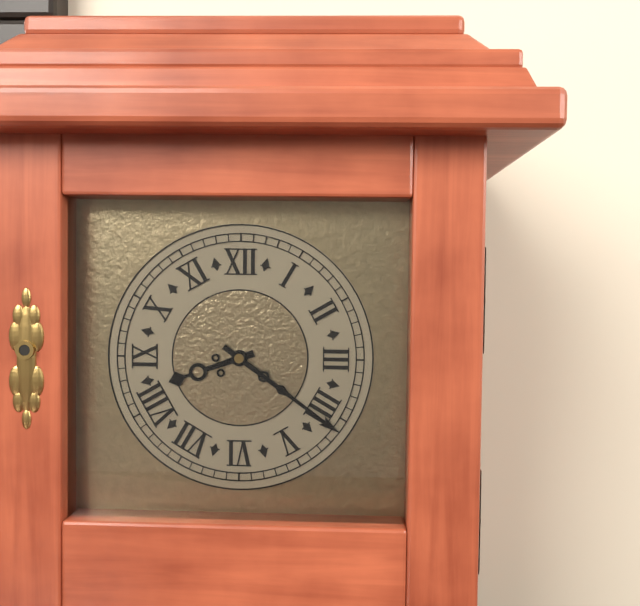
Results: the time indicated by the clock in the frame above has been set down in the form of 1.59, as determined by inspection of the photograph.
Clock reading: 8.21
